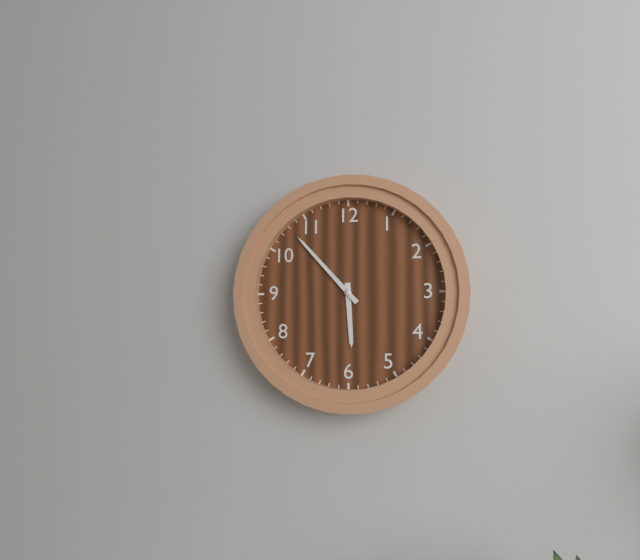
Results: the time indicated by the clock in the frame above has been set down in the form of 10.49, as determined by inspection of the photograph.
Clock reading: 5.53
